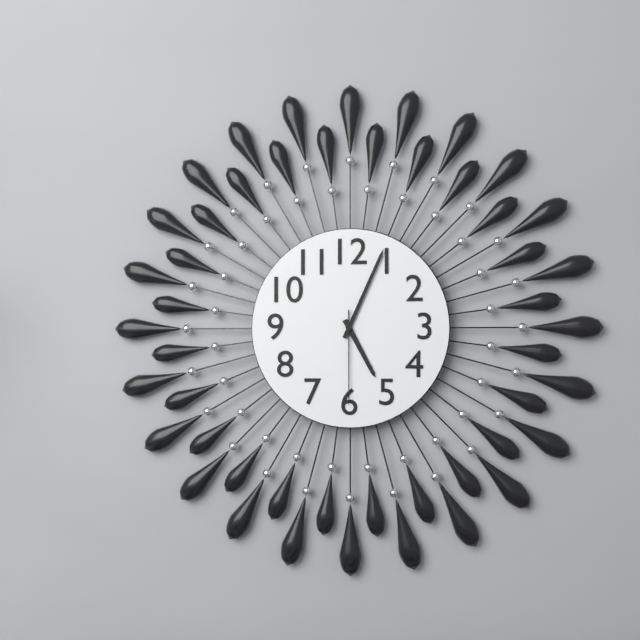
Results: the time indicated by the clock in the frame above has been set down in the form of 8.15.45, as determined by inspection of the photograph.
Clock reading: 5.04.30
